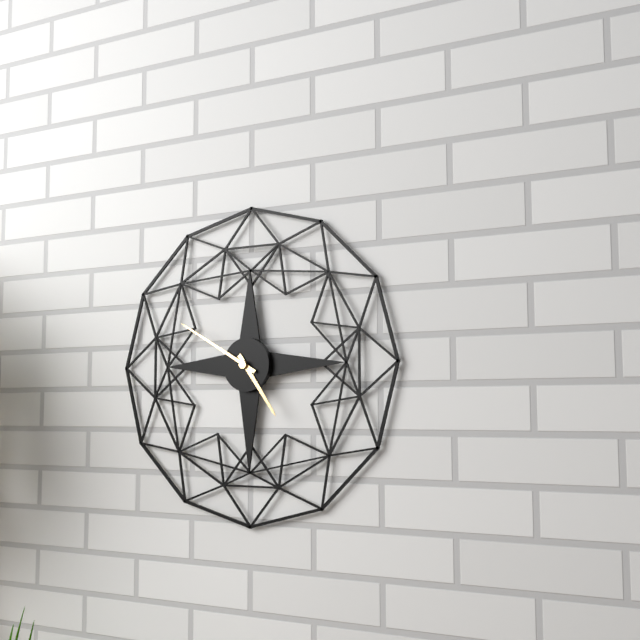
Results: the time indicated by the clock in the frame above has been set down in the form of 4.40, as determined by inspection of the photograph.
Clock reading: 4.50
